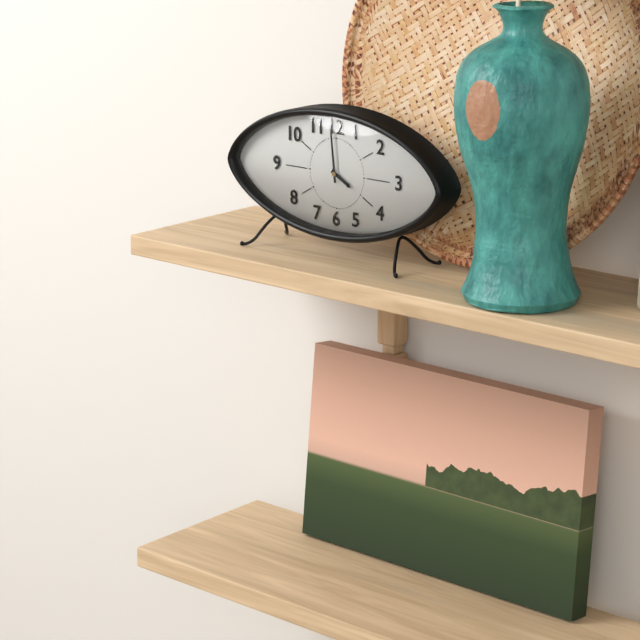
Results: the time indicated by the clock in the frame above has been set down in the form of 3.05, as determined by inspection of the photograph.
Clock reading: 3.59
